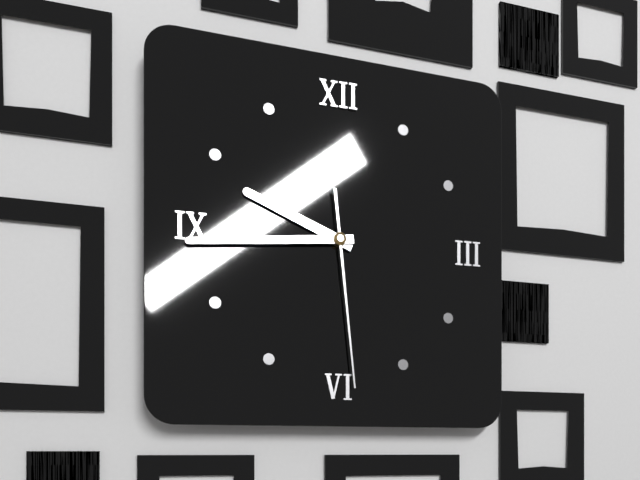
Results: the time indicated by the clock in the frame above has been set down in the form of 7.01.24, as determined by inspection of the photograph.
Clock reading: 9.44.29
